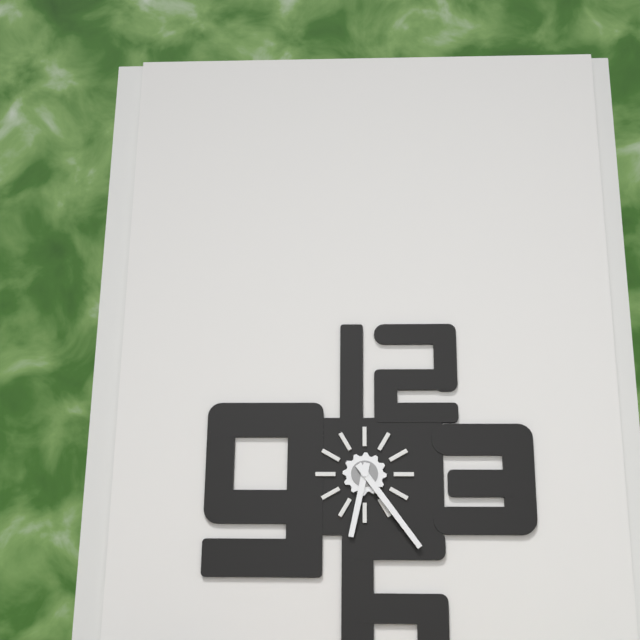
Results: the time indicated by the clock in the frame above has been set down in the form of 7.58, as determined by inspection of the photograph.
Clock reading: 6.24
